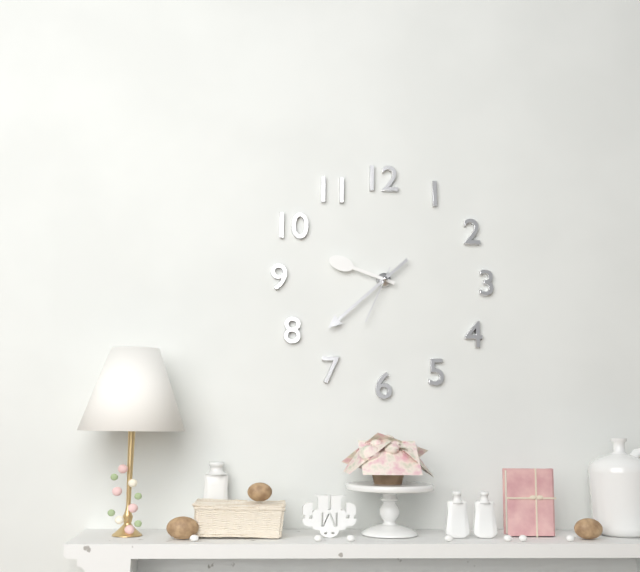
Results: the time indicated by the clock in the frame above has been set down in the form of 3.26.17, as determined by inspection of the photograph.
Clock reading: 9.38.34
